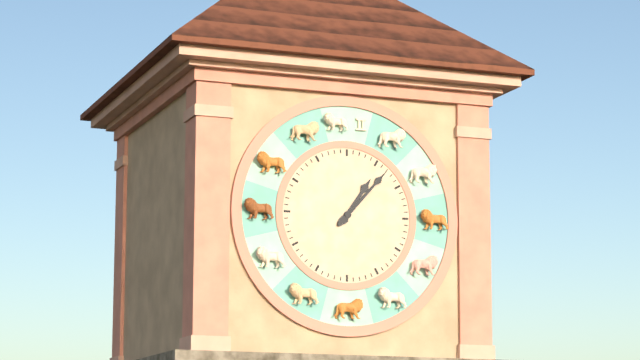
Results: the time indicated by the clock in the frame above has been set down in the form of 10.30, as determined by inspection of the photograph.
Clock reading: 1.07
